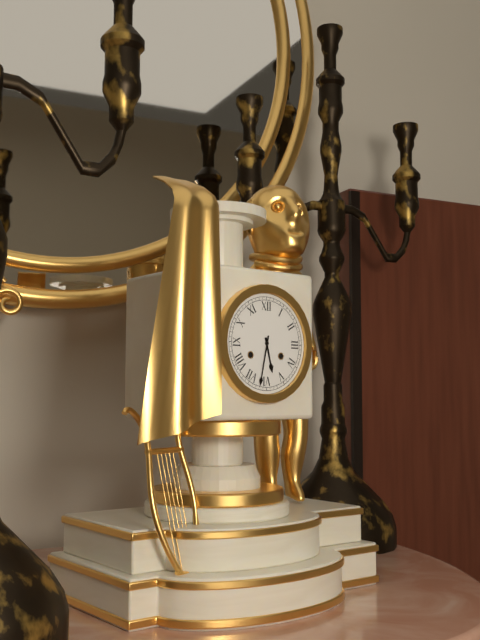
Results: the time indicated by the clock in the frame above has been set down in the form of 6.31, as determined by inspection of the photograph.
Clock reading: 5.32
